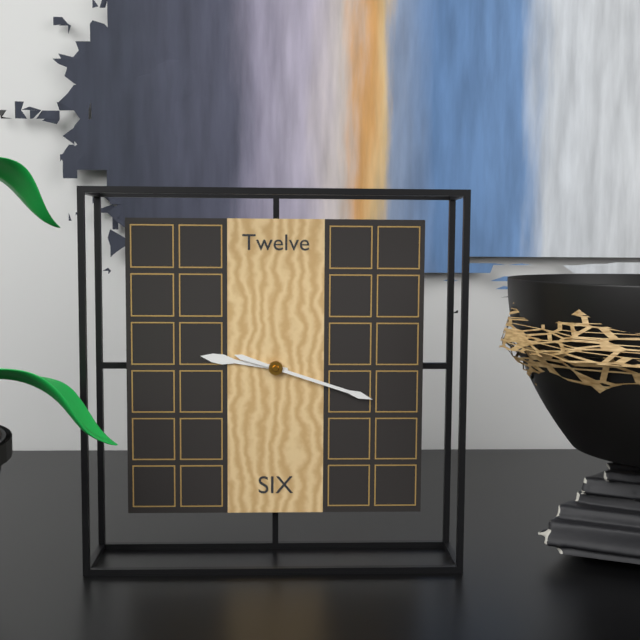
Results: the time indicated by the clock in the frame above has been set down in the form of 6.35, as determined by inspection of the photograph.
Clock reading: 9.18
